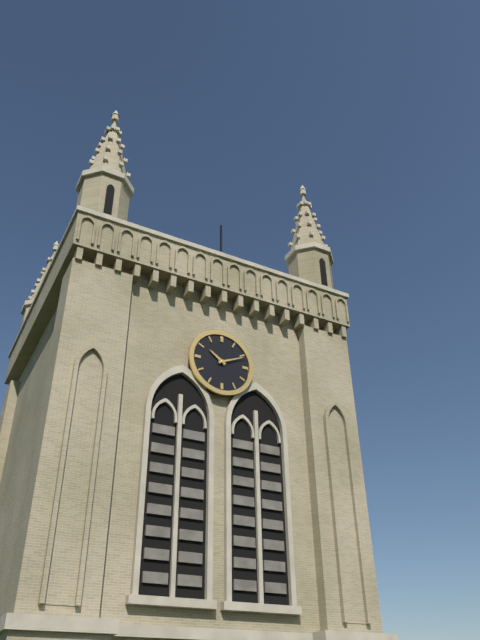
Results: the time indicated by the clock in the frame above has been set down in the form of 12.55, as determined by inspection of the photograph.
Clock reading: 10.11
